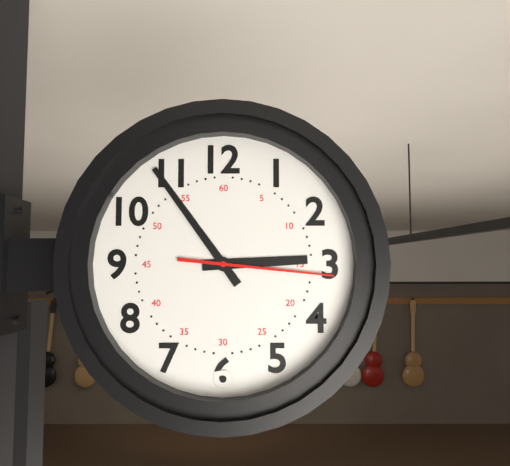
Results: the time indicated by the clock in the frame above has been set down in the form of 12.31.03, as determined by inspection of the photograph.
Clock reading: 2.54.16
